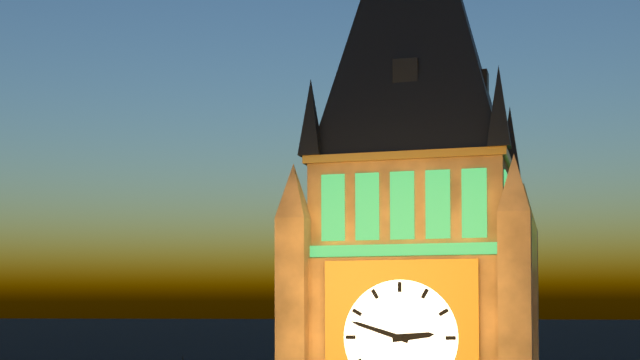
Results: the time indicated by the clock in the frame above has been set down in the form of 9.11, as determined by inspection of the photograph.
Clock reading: 2.48
